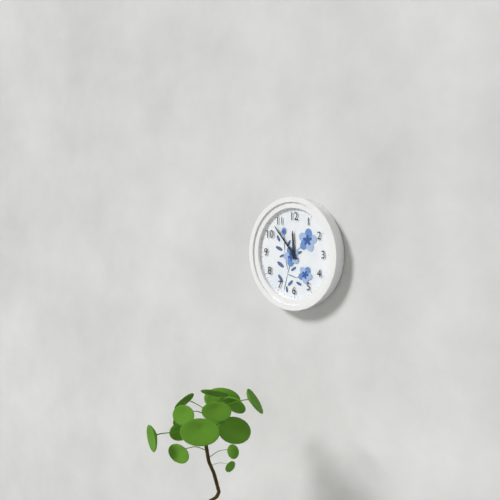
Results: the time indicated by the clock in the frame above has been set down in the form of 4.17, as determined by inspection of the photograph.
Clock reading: 11.53
